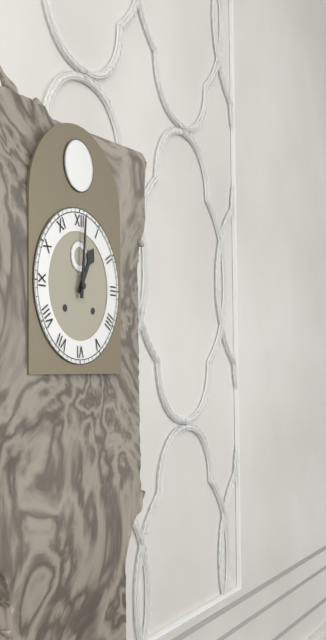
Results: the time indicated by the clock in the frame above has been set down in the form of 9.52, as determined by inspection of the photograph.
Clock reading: 1.01
